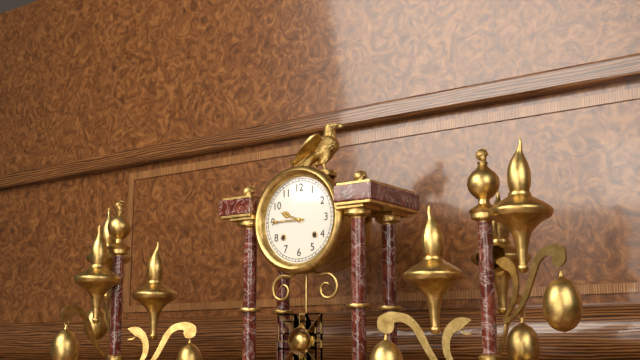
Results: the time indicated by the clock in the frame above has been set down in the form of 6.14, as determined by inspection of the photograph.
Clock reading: 9.45
